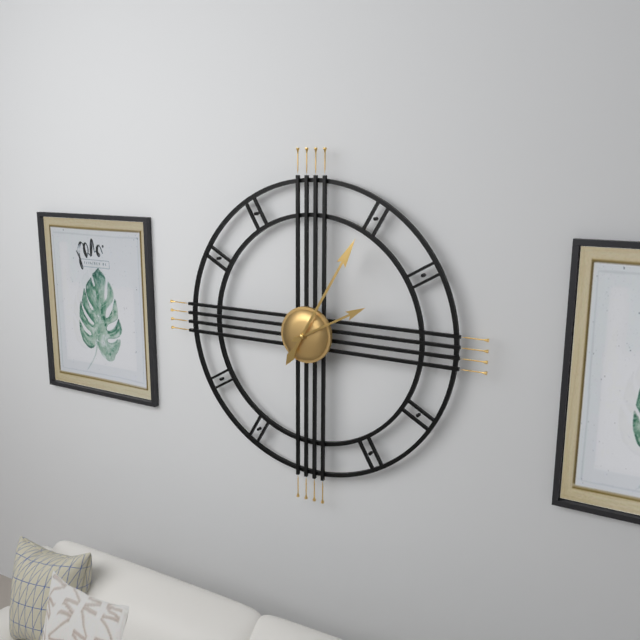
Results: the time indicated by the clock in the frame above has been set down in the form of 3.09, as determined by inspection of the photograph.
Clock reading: 2.05
